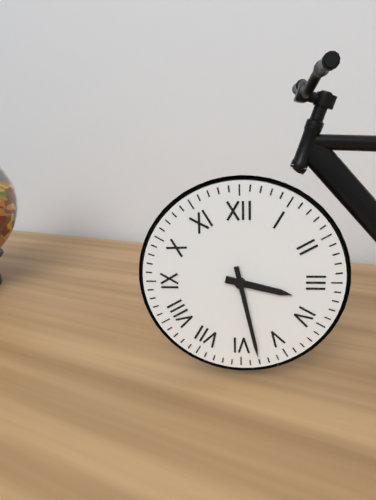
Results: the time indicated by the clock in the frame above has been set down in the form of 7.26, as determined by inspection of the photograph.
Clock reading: 3.28
